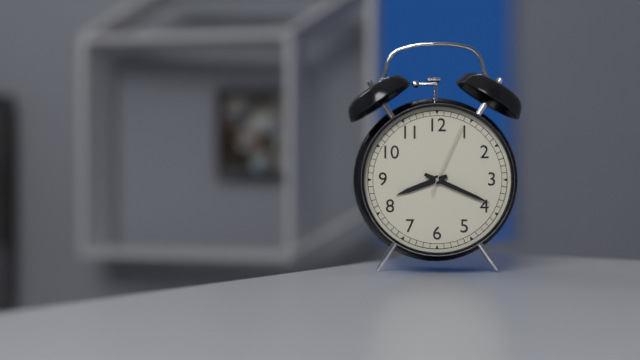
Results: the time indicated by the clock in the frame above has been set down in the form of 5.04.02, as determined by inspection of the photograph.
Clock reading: 8.19.04
